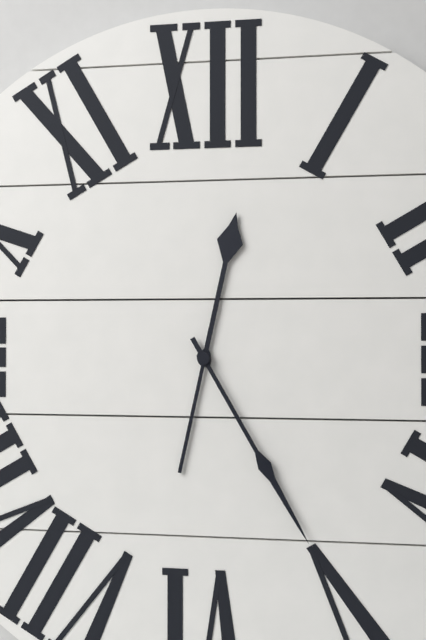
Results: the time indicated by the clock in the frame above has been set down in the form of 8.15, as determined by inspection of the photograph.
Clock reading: 12.25
